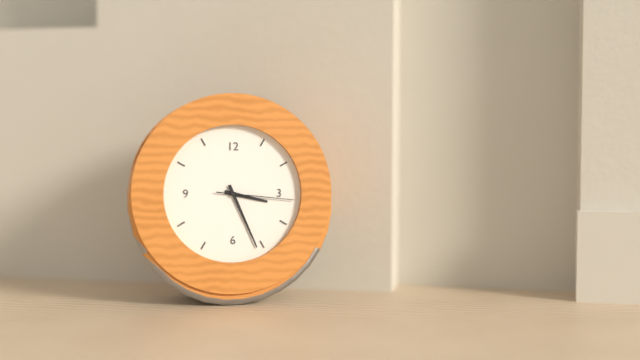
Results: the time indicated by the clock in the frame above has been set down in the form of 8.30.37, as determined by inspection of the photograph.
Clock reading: 3.26.16
